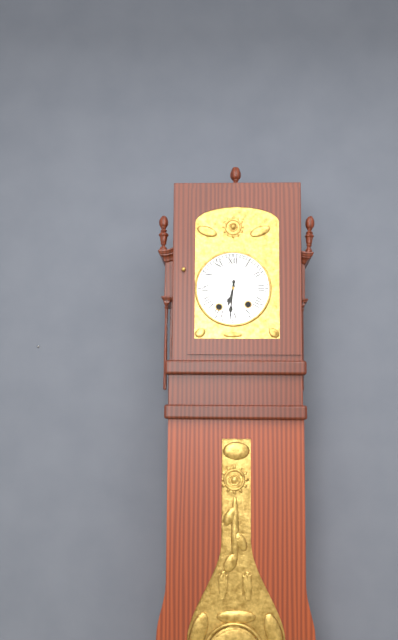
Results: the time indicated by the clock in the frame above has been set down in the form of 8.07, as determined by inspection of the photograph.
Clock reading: 6.31
